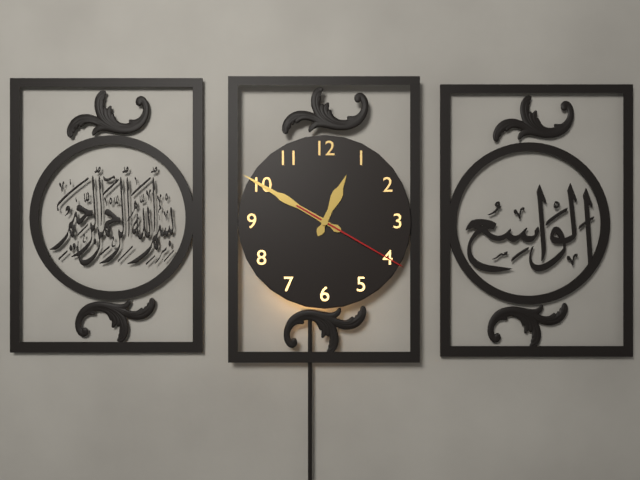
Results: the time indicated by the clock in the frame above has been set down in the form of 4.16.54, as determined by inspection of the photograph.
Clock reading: 12.50.20
